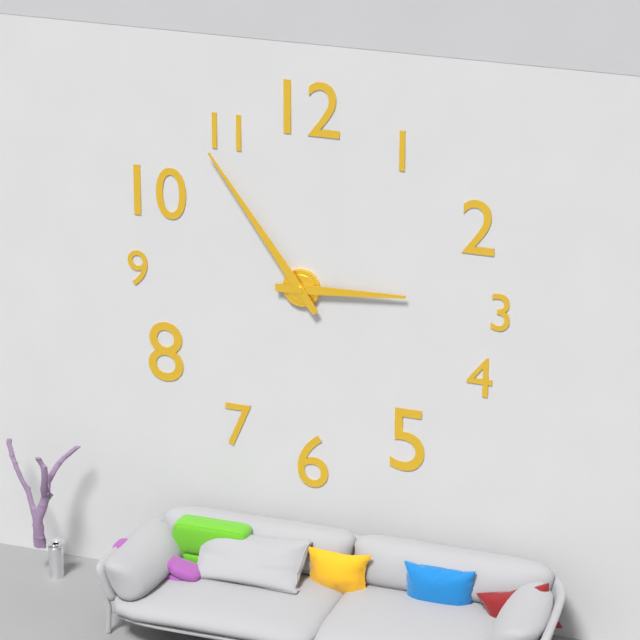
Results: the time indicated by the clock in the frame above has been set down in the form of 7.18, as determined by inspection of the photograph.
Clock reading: 2.54
